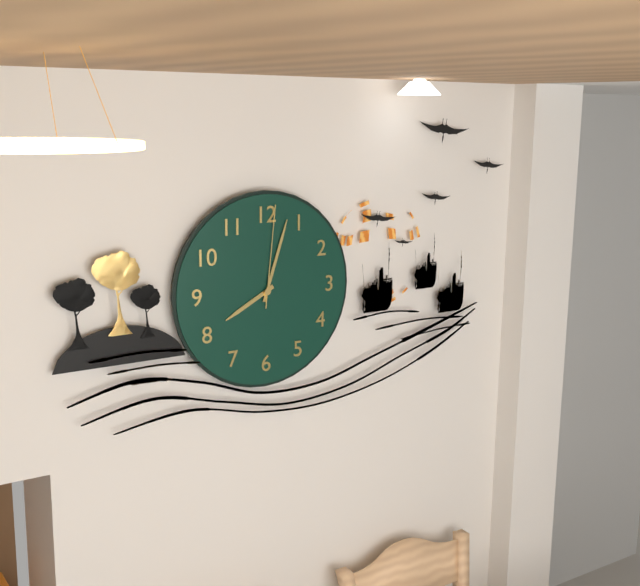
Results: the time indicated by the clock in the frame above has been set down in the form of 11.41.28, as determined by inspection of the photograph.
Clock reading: 8.03.01
